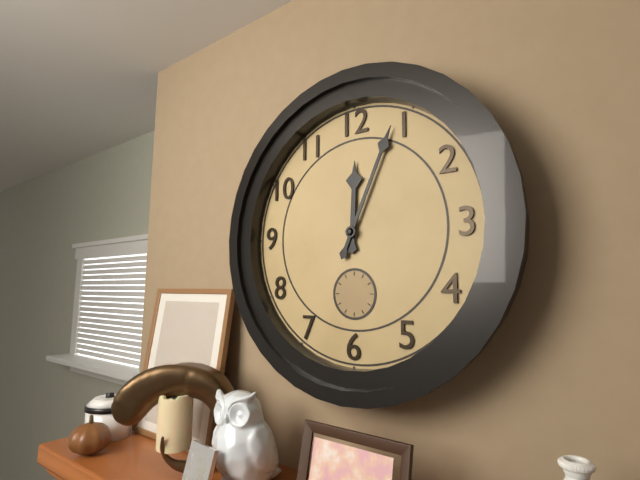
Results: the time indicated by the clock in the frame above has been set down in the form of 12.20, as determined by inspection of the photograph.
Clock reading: 12.04
